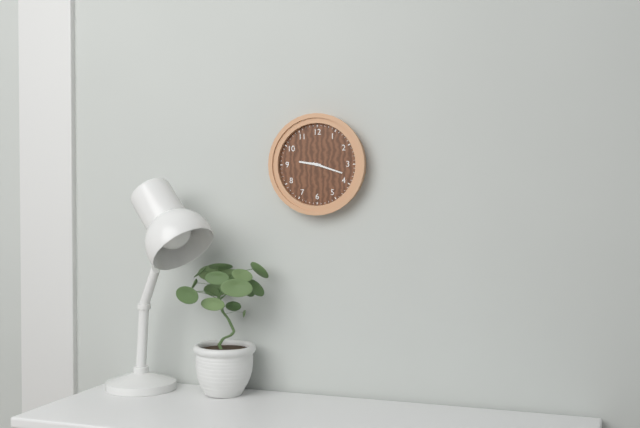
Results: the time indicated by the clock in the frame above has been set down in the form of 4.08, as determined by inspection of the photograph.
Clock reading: 9.18
